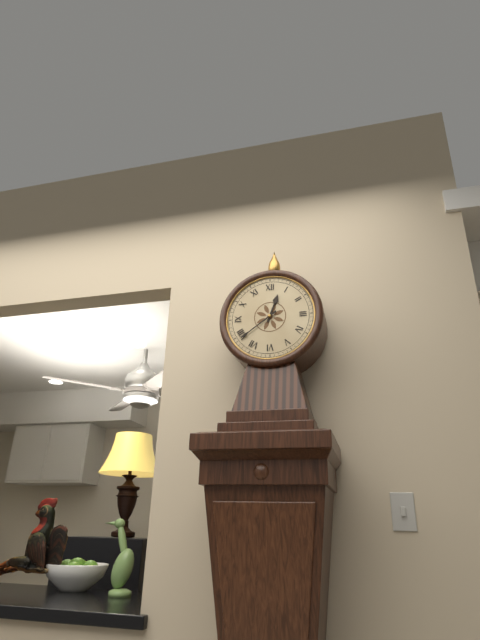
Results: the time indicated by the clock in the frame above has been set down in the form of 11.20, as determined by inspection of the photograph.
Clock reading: 12.39
